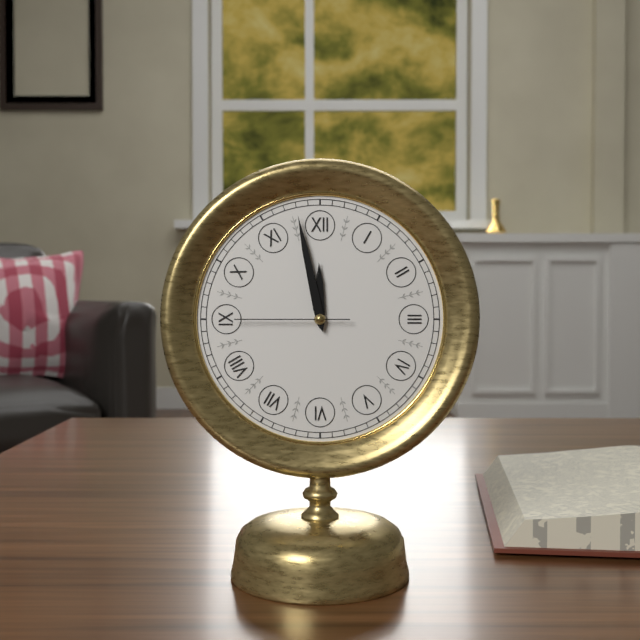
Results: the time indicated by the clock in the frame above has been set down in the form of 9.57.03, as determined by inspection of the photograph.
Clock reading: 11.58.45
